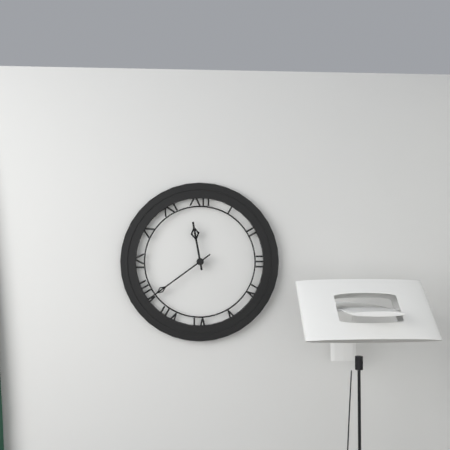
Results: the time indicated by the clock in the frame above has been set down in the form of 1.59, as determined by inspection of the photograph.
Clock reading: 11.39
